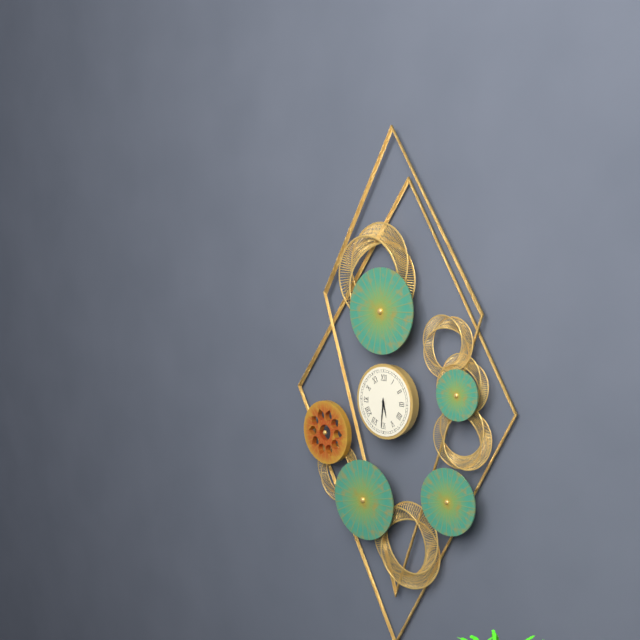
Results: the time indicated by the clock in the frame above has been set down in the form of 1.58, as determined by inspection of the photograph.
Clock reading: 5.31
